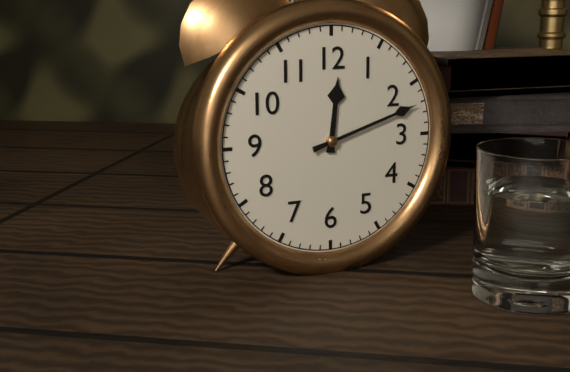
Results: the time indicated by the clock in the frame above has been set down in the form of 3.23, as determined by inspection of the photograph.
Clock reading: 12.12
